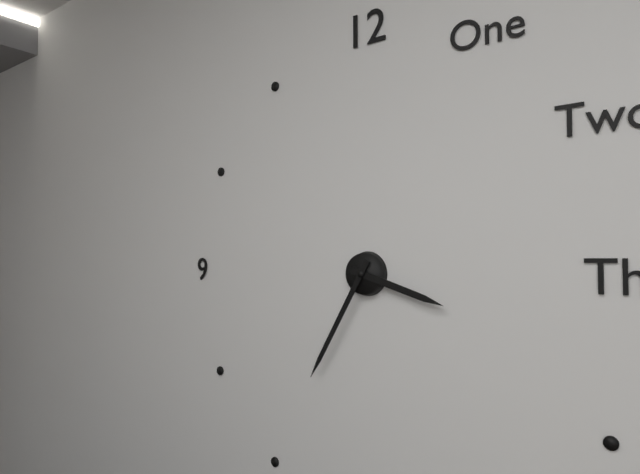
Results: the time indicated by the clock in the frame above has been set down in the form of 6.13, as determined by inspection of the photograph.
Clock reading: 3.35
